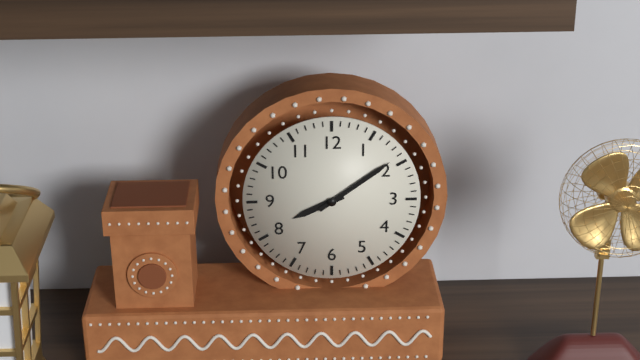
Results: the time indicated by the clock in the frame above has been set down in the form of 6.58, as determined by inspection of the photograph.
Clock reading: 8.09
